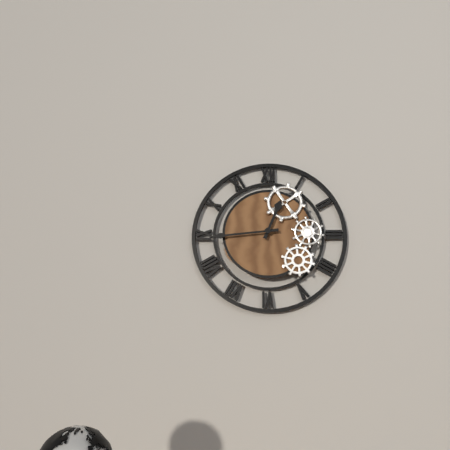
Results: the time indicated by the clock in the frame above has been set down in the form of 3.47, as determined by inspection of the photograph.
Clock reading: 12.44
